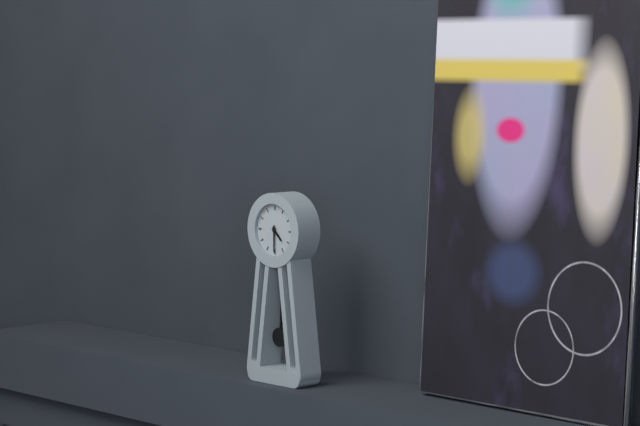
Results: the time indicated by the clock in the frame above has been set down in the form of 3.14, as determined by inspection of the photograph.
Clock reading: 4.30
